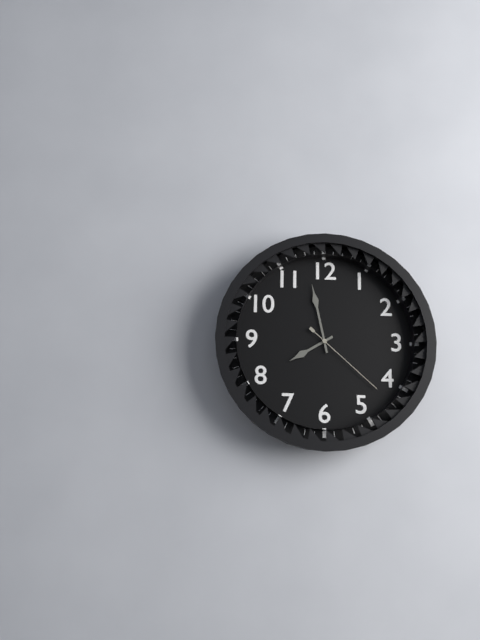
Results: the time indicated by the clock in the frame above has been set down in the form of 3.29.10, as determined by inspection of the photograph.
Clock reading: 7.58.22
